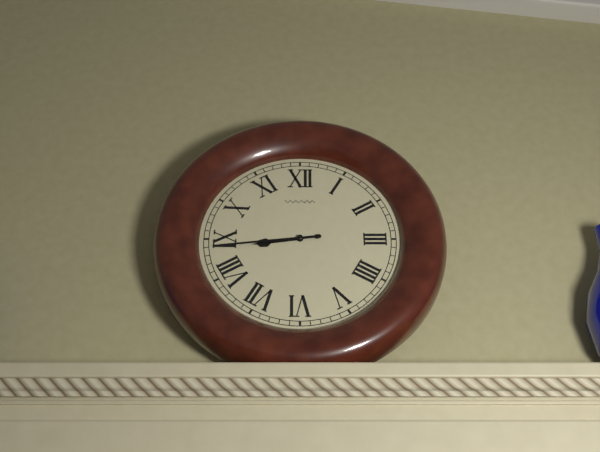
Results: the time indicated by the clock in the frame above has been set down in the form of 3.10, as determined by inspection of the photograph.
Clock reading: 8.44
